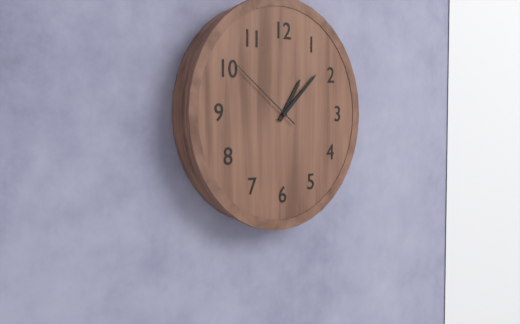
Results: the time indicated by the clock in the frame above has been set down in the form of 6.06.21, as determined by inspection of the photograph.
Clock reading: 1.08.51
